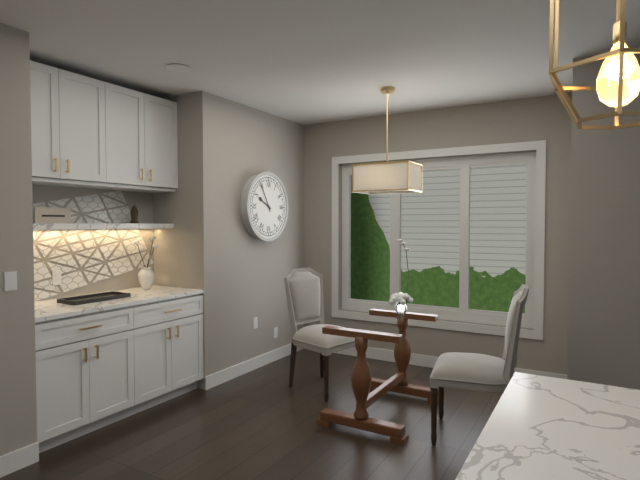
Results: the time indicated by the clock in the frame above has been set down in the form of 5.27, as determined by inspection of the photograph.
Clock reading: 9.55
